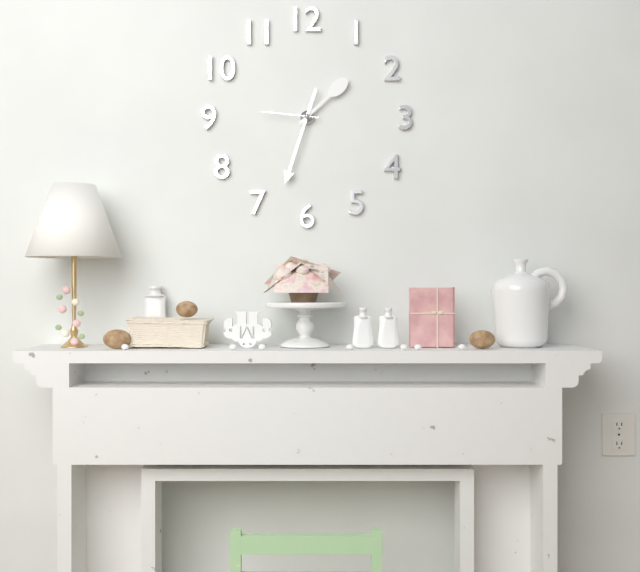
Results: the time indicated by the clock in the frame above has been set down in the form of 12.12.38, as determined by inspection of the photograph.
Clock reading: 1.33.46
